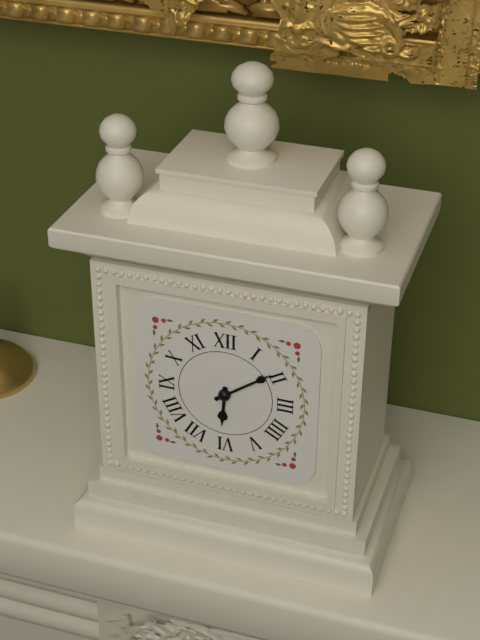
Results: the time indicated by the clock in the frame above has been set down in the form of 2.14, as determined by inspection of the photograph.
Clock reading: 6.09
